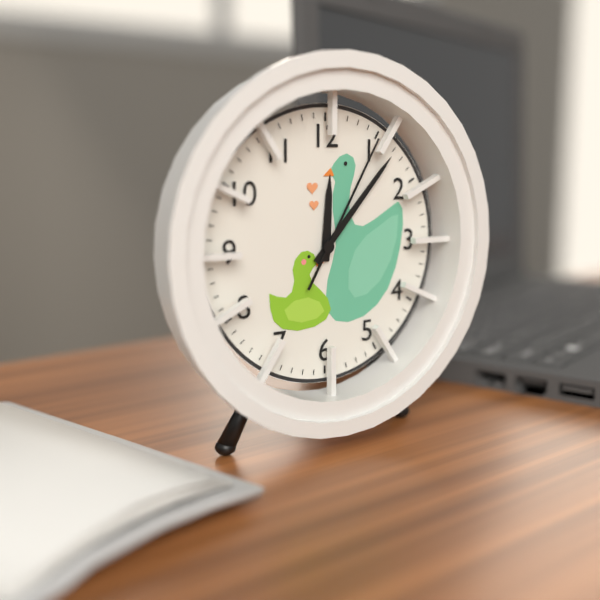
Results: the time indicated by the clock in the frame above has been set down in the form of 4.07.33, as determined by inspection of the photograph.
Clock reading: 12.07.05
